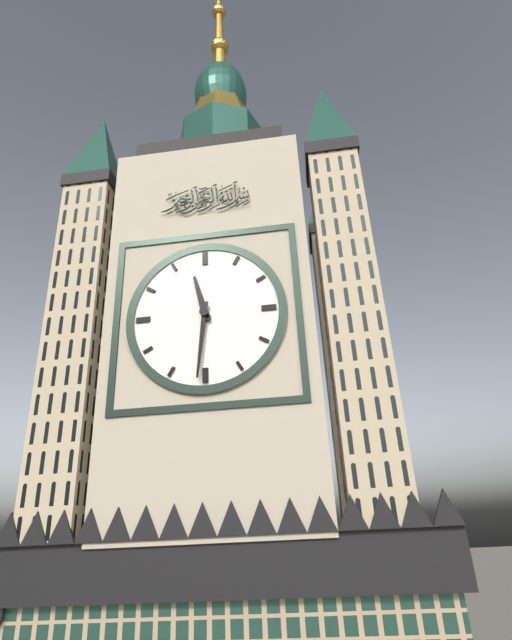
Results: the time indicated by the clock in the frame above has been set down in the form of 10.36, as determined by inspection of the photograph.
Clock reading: 11.31
